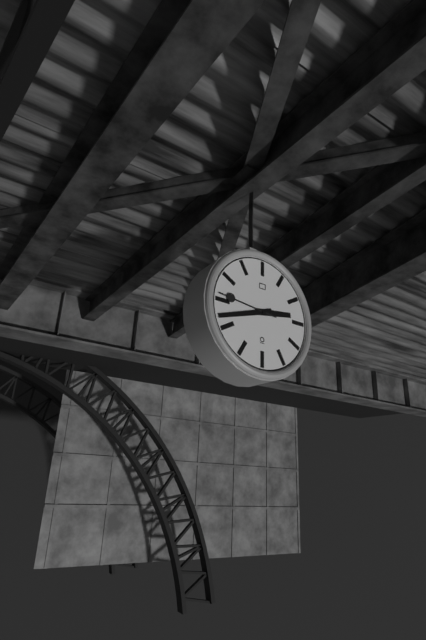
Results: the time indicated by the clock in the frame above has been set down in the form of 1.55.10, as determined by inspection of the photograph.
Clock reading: 2.42.46
